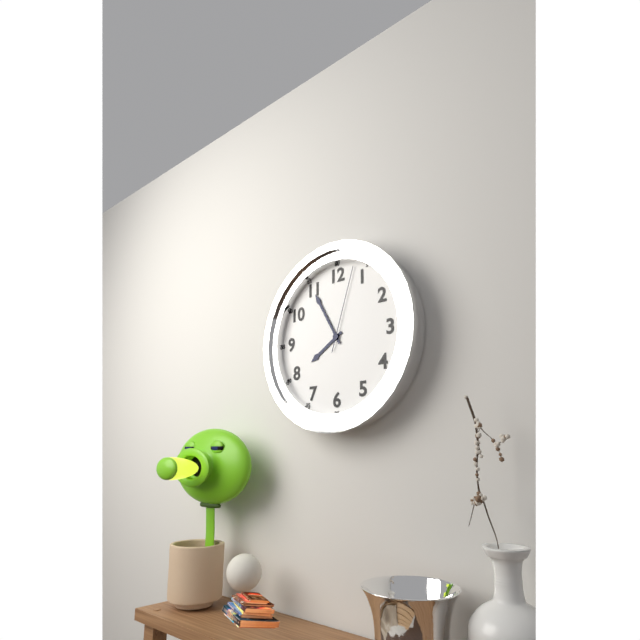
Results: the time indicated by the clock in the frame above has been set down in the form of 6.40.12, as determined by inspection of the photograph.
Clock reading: 7.55.03
